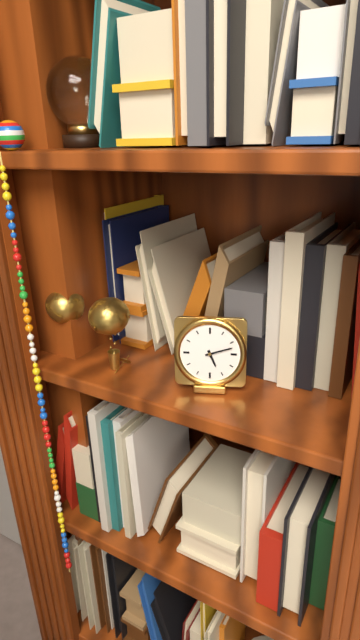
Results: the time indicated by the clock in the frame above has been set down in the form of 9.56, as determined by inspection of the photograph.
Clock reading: 5.12
